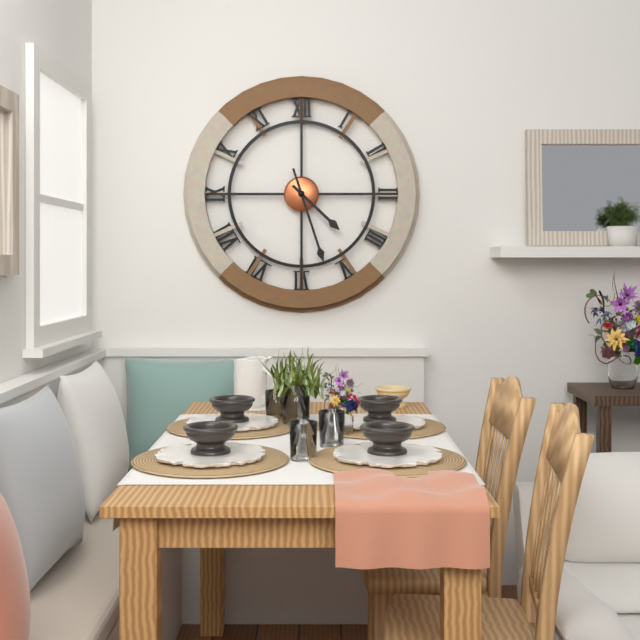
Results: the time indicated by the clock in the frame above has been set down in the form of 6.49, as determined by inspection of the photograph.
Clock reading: 4.27
